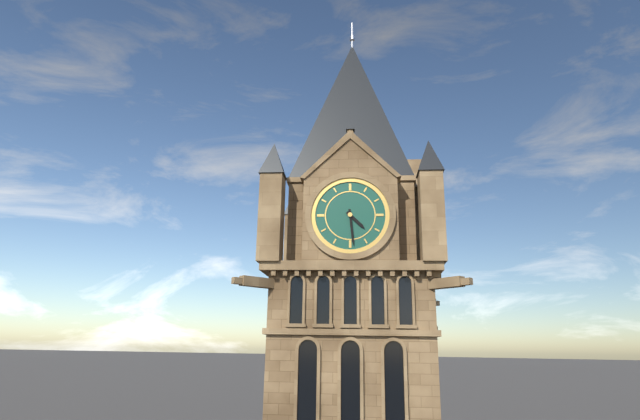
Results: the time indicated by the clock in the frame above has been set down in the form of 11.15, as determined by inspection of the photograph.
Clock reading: 4.29
